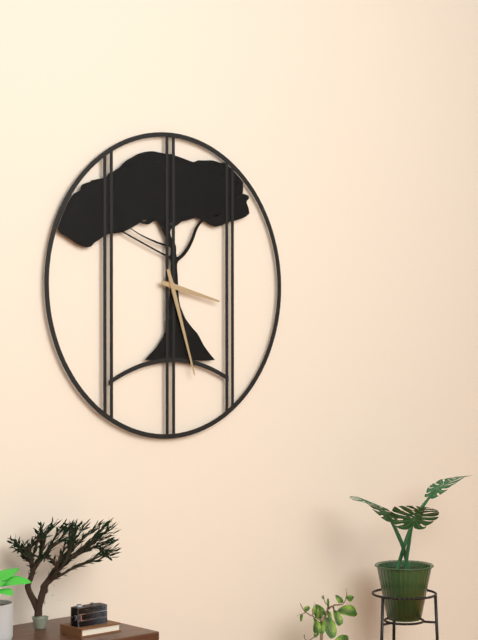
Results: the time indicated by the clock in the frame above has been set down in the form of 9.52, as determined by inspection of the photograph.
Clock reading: 3.27
